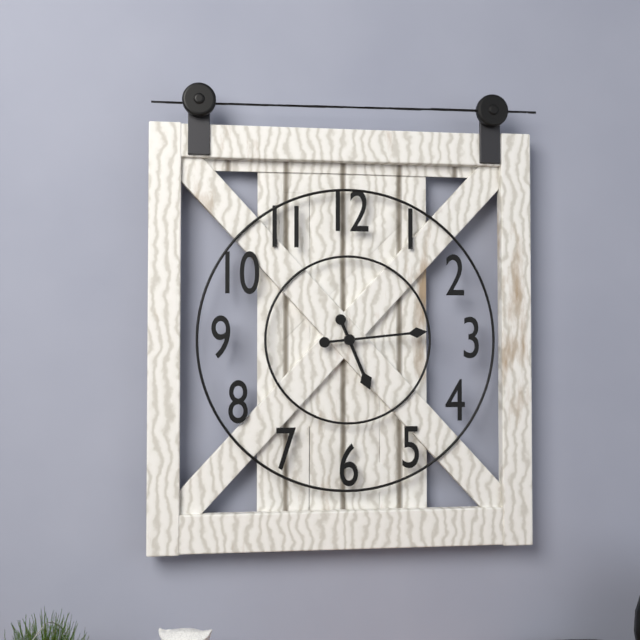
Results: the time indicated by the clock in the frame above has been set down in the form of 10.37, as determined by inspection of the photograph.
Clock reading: 5.14
